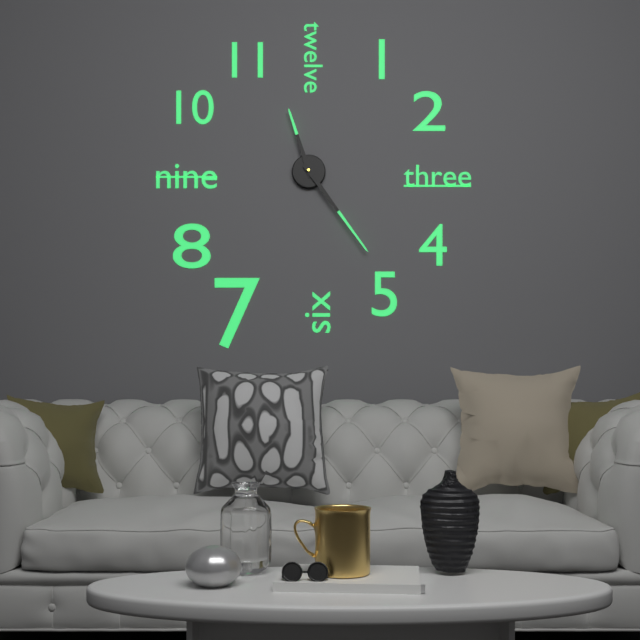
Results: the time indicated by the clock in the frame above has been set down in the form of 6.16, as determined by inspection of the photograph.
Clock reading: 11.24
